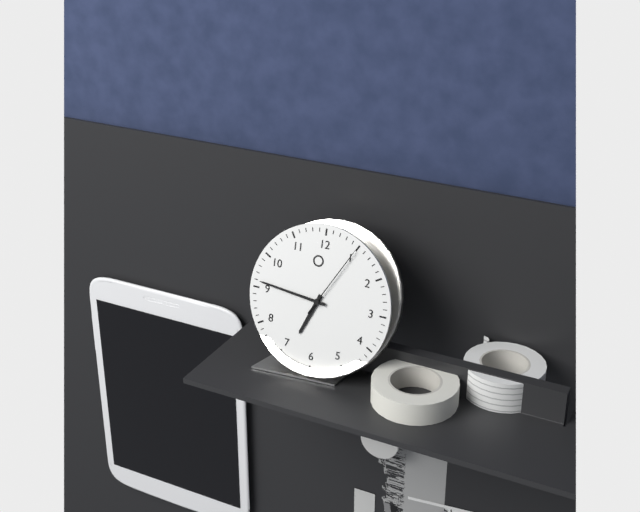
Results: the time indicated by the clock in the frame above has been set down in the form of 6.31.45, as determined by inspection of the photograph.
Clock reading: 6.46.05
